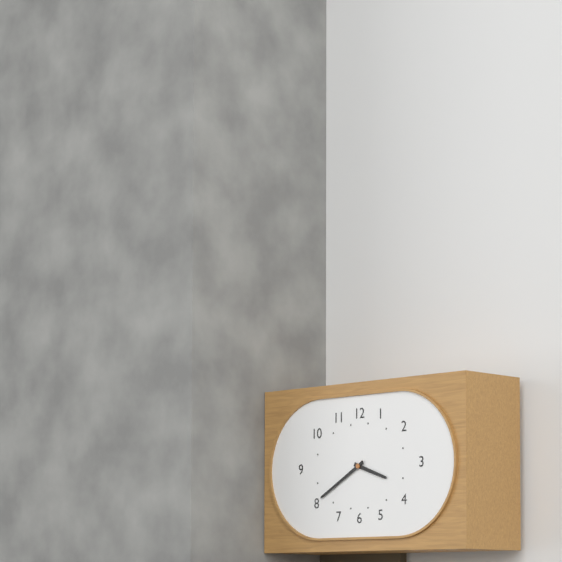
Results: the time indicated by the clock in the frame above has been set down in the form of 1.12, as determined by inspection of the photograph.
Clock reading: 3.40
